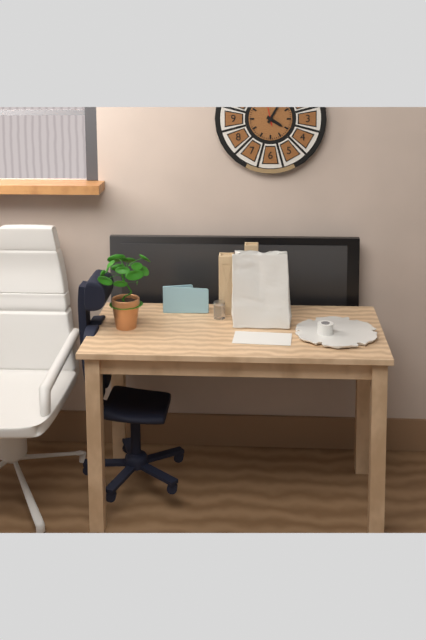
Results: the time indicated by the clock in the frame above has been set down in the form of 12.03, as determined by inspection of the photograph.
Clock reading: 4.05
